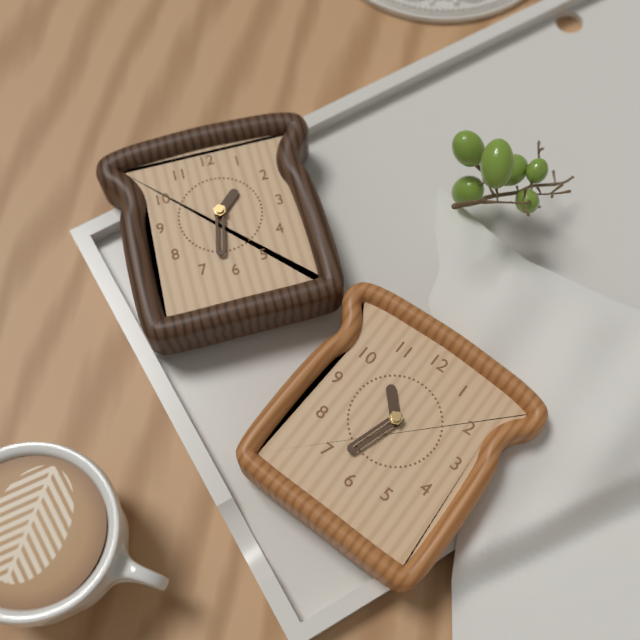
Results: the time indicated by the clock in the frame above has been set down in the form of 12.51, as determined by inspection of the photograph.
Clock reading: 10.33
